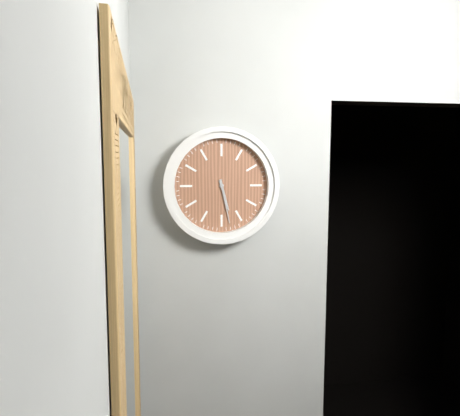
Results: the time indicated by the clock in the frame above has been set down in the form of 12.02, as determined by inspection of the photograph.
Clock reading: 5.28
